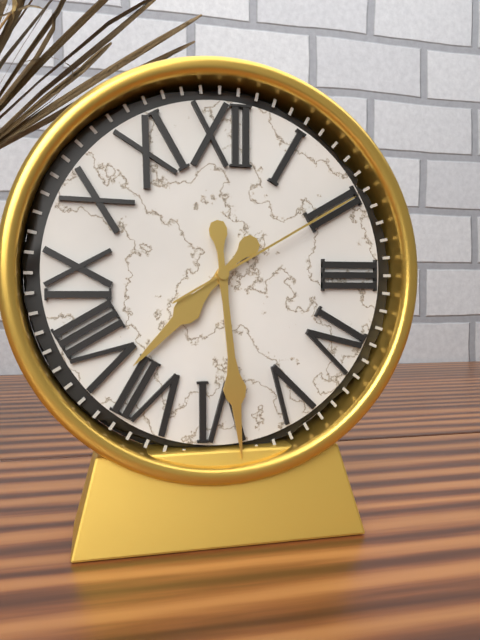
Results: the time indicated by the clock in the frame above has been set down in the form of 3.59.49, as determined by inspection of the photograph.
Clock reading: 7.29.10
